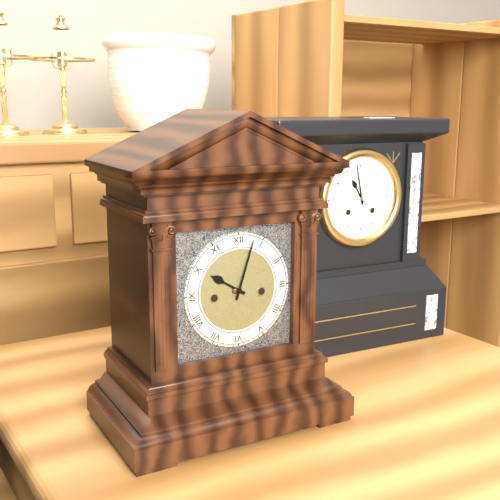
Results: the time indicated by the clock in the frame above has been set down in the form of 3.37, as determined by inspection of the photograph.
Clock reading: 10.03
